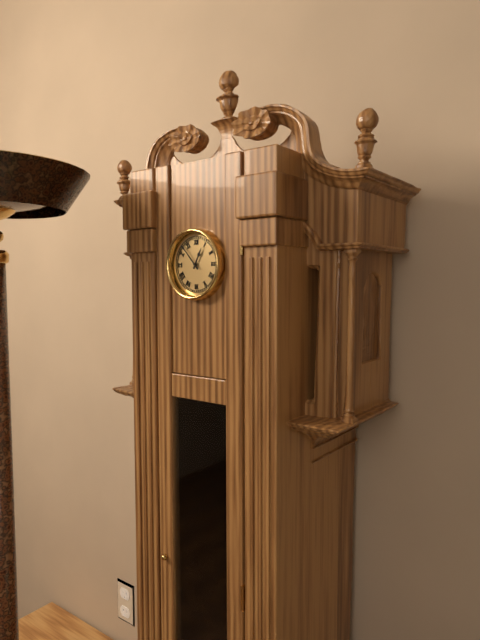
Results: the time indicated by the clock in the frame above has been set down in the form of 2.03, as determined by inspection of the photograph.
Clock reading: 12.53
